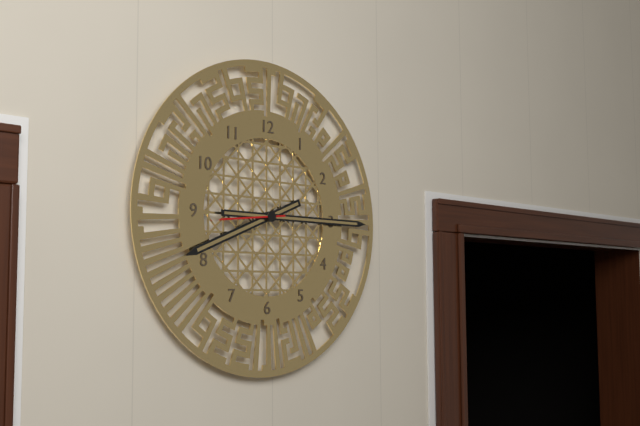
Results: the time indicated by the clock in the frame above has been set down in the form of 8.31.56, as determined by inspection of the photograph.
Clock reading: 8.15.44
